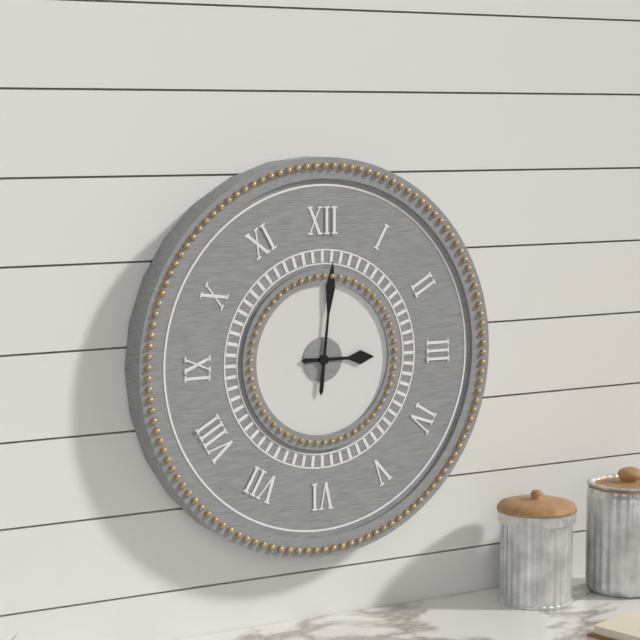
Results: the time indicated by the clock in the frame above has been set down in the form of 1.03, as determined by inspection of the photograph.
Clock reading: 3.01
